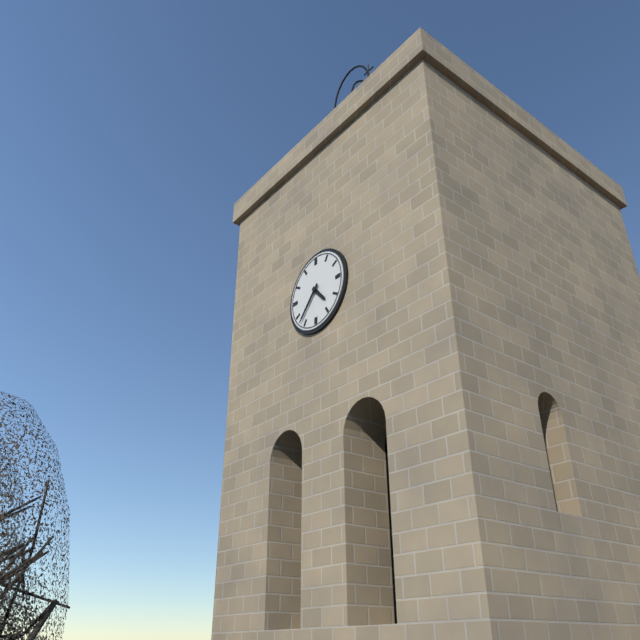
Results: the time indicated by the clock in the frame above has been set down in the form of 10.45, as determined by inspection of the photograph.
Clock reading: 4.37
